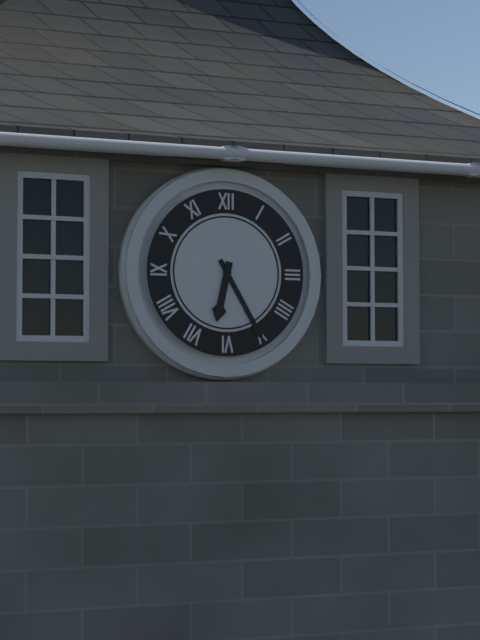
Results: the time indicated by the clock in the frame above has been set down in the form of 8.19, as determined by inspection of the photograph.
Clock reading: 6.25
